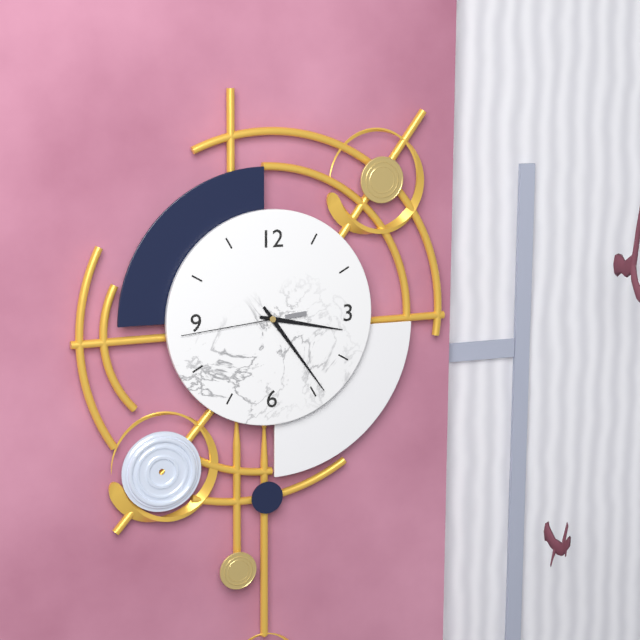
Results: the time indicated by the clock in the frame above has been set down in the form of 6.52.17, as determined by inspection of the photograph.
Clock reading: 3.24.44
